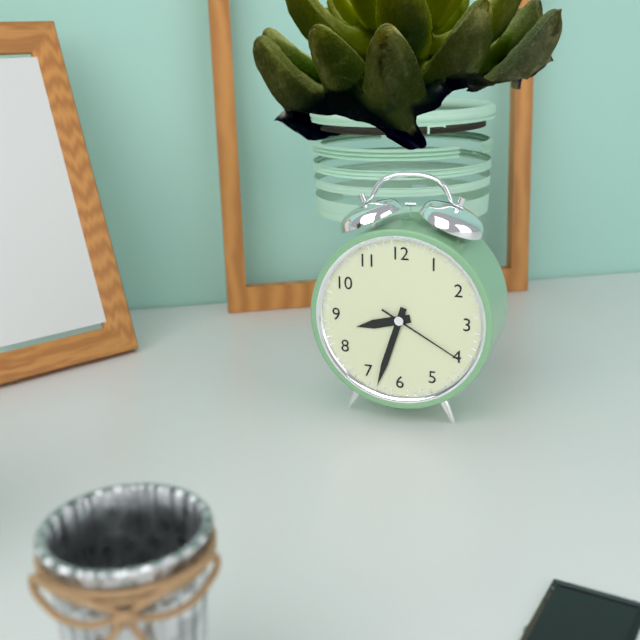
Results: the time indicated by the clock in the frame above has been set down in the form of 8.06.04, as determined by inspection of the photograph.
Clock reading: 8.33.20
